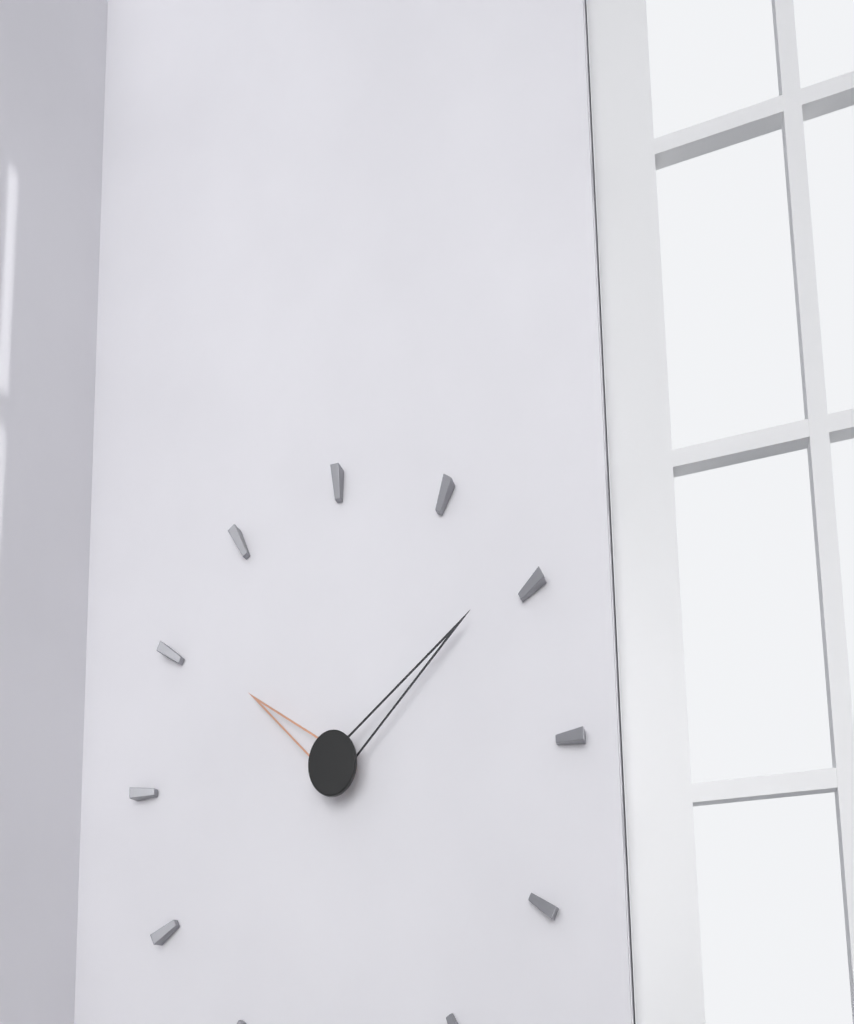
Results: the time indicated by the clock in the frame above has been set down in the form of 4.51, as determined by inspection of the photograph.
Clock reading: 10.09
